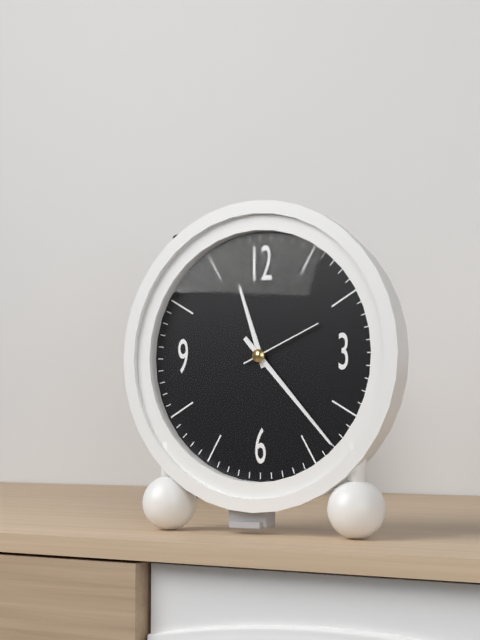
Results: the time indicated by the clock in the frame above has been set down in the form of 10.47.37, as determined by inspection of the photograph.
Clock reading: 11.23.11
